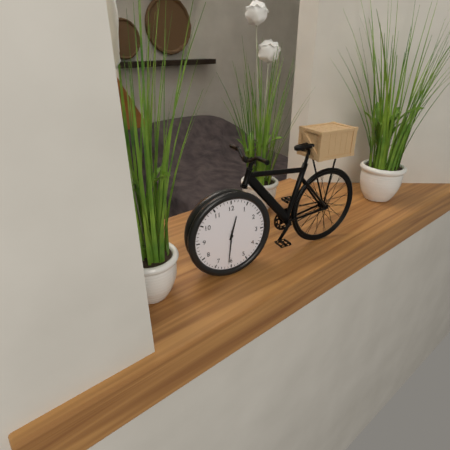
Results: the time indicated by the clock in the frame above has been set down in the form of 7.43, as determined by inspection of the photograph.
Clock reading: 12.31
